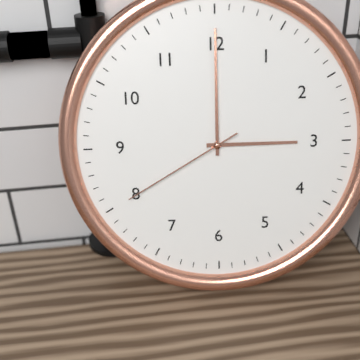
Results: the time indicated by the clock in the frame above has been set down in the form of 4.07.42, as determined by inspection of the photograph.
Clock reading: 3.00.40
